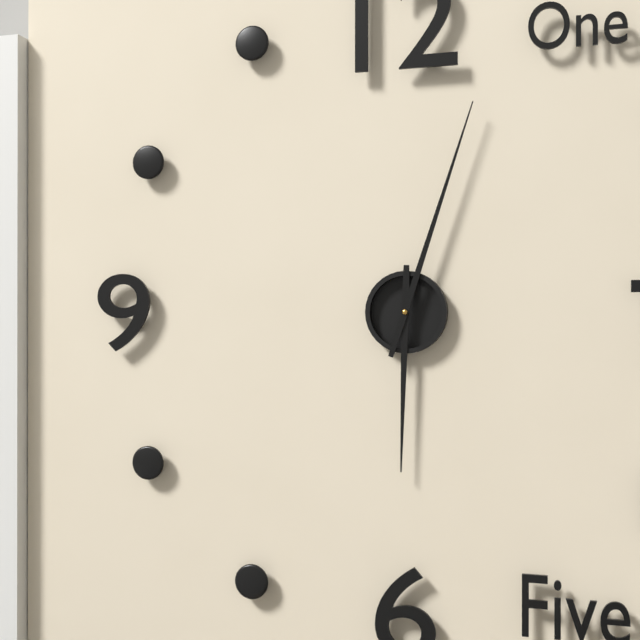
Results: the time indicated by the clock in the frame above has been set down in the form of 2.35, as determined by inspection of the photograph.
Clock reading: 6.03
